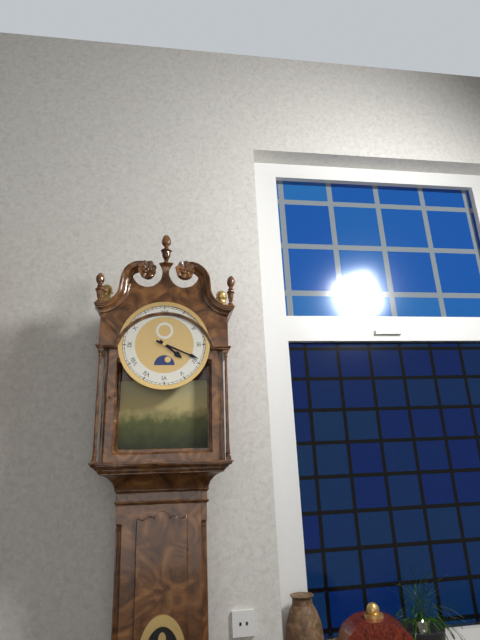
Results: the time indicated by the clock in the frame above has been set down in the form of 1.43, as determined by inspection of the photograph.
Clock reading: 4.19
